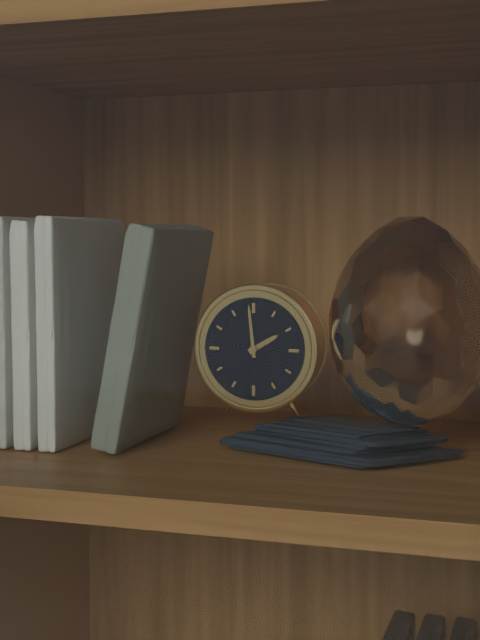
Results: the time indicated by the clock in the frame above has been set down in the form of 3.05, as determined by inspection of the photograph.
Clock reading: 1.59
